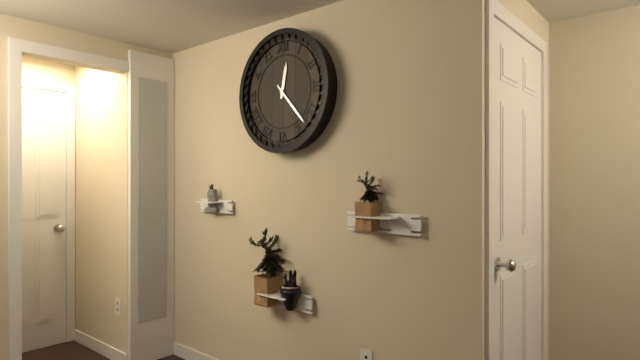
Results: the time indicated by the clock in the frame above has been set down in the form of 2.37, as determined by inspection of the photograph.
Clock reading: 12.23
